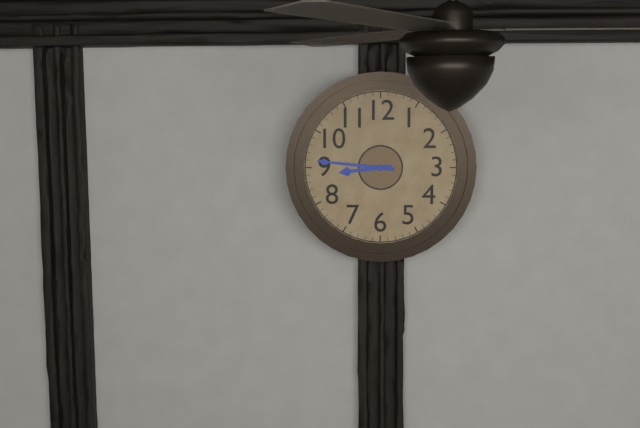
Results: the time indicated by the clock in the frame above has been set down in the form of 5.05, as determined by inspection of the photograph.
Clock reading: 8.46
